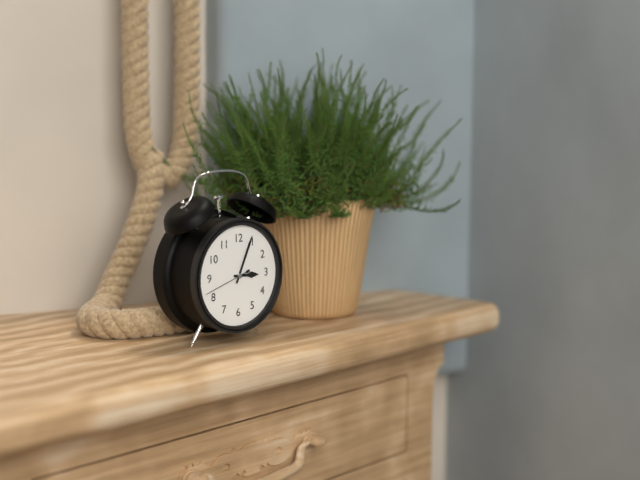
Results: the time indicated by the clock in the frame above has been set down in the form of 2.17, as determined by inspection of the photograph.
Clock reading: 3.04
